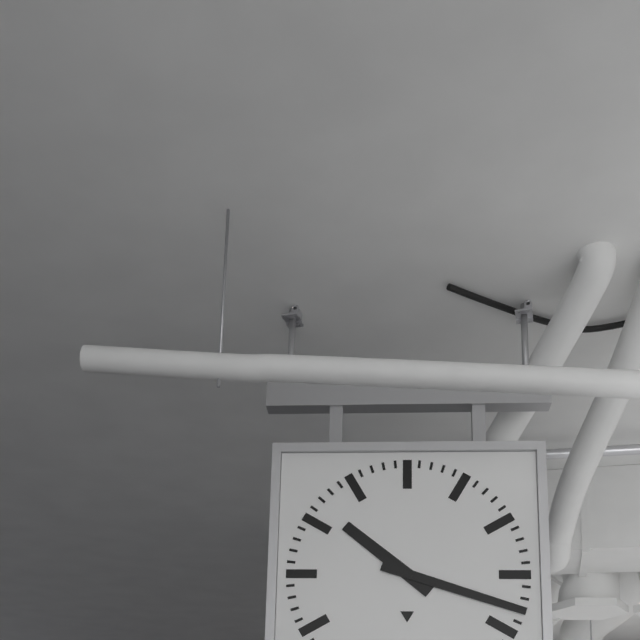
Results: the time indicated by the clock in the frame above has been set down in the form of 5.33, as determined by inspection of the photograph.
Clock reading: 10.18
